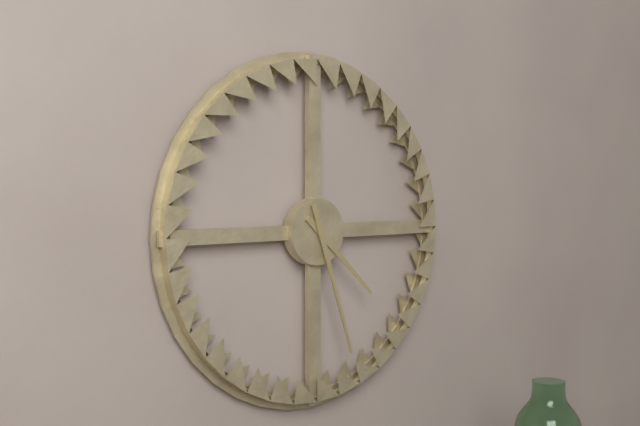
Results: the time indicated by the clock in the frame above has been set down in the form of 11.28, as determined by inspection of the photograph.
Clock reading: 4.27
